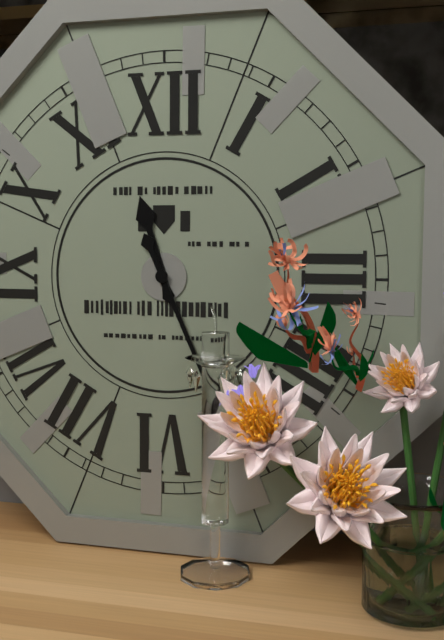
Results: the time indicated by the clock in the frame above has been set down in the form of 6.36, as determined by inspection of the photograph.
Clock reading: 11.26
